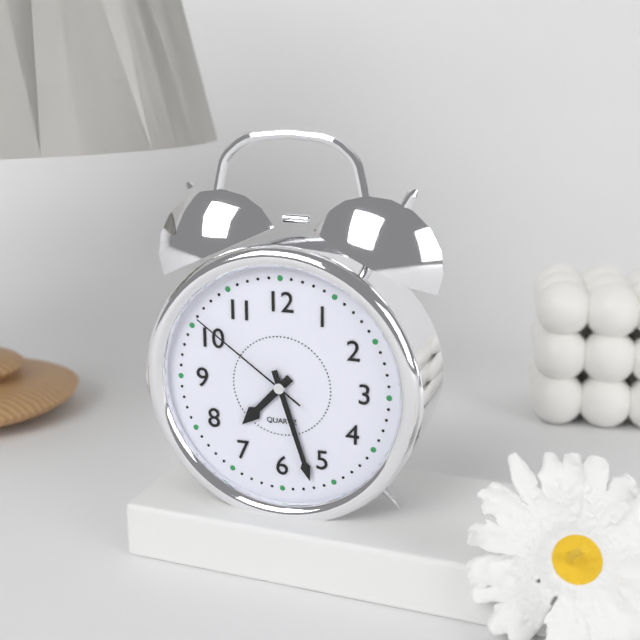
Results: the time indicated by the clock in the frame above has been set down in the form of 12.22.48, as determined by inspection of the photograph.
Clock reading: 7.27.51
